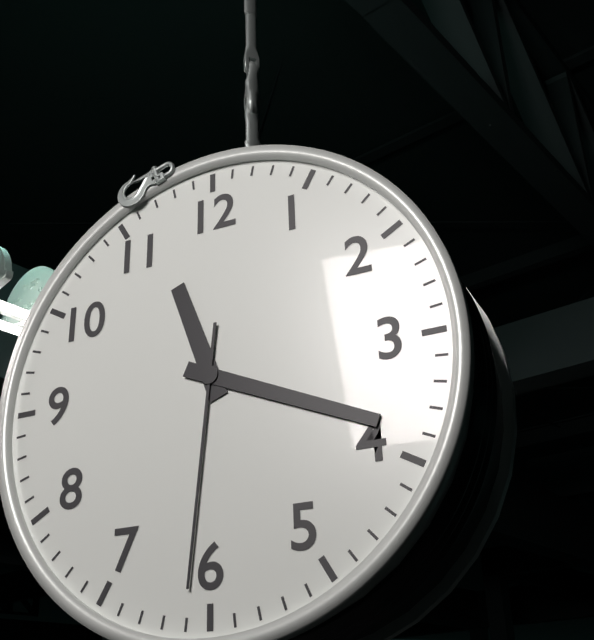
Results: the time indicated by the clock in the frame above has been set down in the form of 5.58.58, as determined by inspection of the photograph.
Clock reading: 11.19.31
